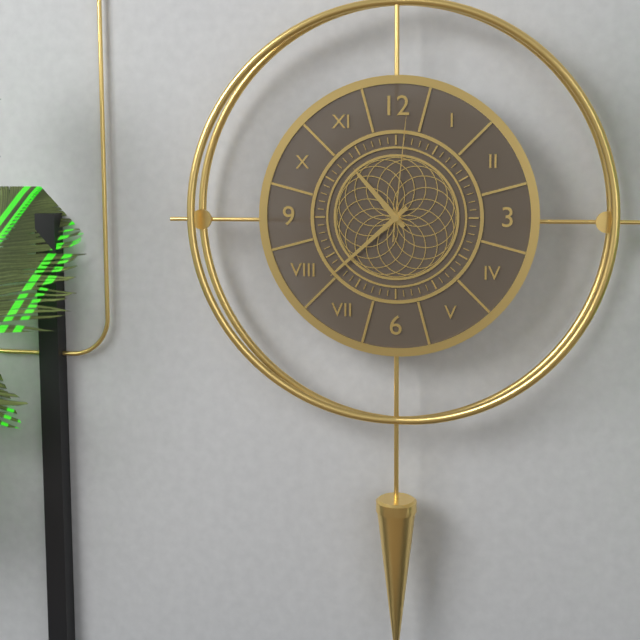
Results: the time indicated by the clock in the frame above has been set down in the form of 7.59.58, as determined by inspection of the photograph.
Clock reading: 10.38.01
